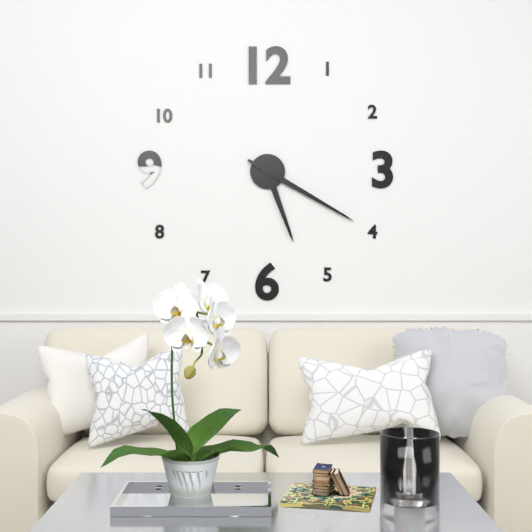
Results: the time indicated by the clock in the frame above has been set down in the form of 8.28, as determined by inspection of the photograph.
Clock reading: 5.20
